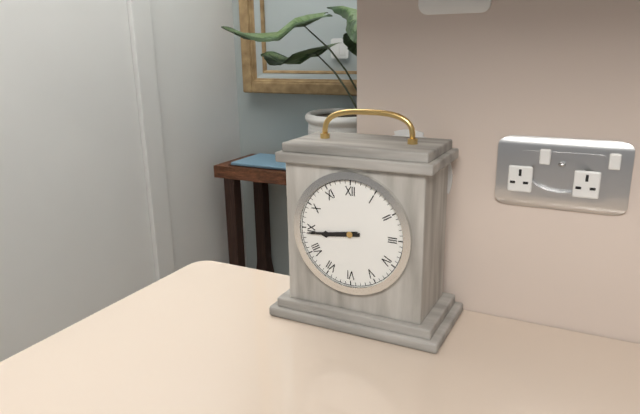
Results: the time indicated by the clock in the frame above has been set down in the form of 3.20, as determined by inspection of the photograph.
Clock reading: 8.44
